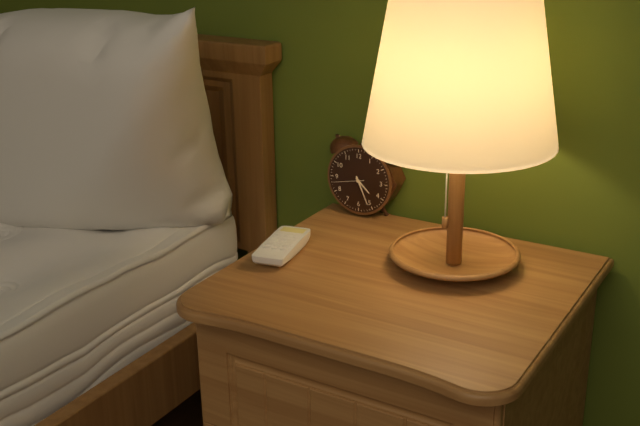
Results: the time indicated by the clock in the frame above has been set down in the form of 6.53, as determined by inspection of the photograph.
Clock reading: 4.26
